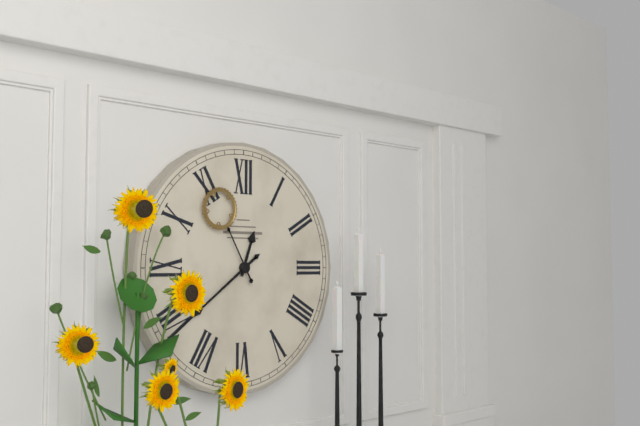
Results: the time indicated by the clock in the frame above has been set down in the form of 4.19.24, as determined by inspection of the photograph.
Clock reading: 12.39.55
